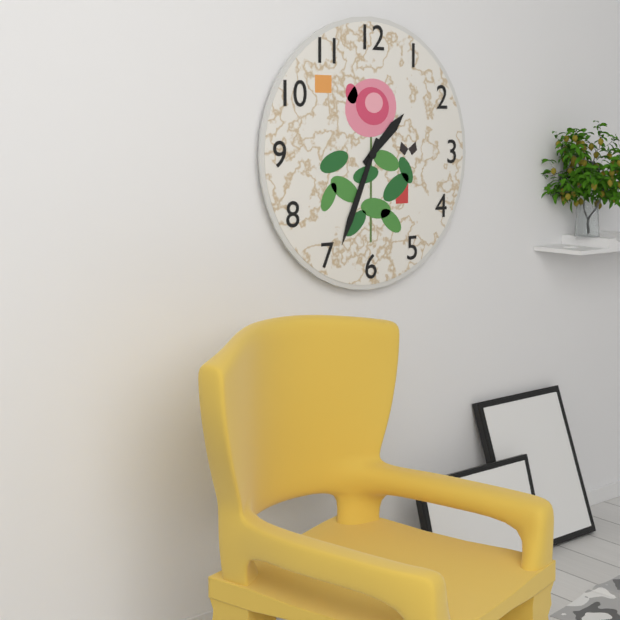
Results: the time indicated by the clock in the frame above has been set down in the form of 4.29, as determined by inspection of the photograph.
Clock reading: 1.34
